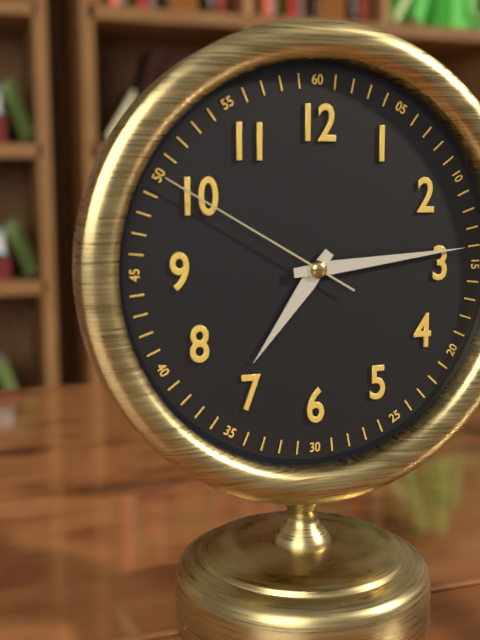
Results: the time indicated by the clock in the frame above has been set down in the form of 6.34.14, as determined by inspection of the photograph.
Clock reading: 7.14.50
